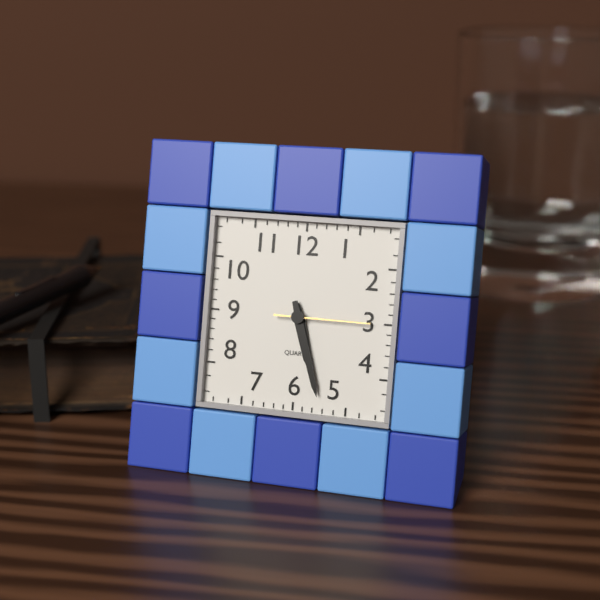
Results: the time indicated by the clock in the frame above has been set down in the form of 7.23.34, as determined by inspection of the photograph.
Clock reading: 5.27.15
